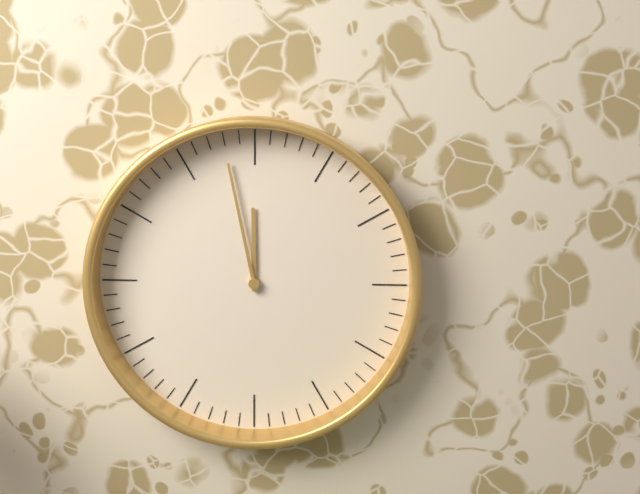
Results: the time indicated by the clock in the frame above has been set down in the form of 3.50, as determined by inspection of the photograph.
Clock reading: 11.58
